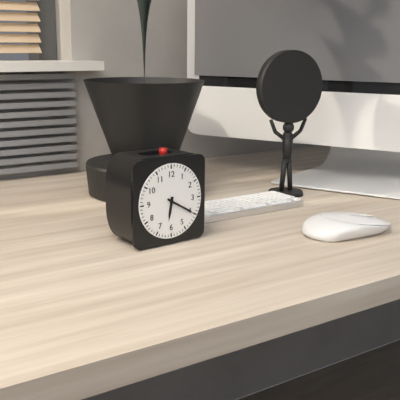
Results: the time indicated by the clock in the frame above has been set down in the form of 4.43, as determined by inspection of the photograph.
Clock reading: 6.20
